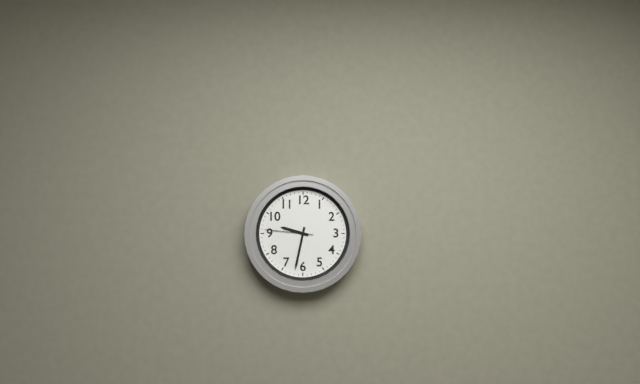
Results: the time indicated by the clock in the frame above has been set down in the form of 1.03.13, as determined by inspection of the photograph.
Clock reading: 9.32.46
